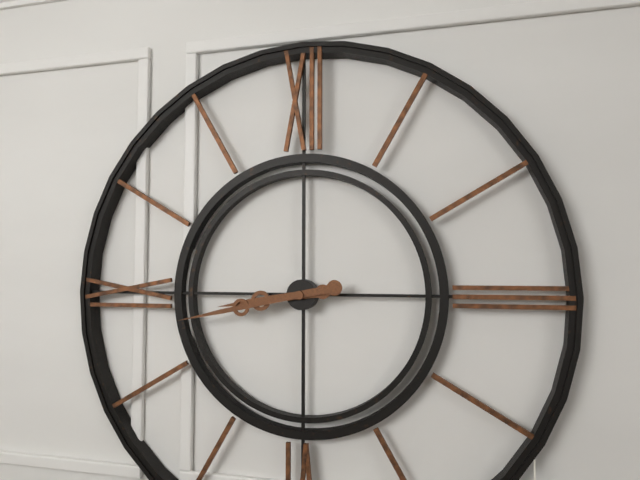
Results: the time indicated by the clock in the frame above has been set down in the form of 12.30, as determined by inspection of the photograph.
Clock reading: 8.43
